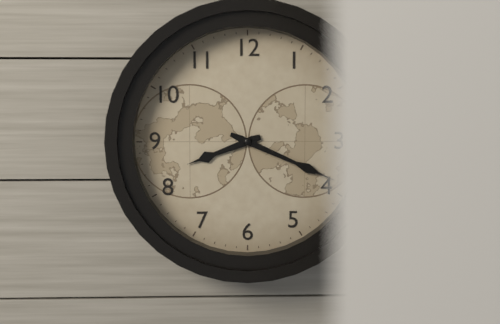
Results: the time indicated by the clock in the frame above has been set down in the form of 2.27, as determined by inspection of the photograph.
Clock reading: 8.19
